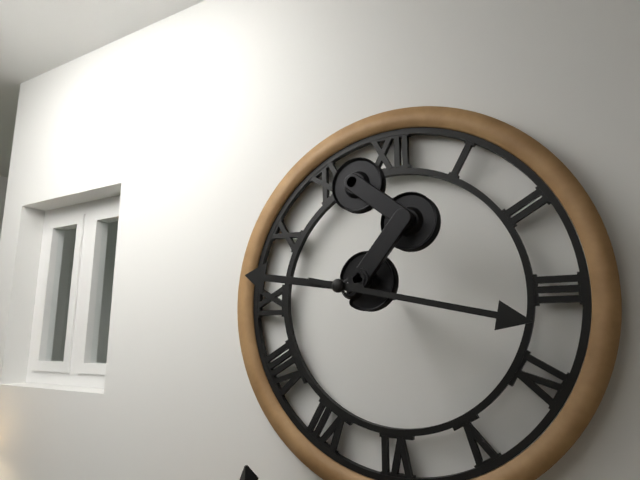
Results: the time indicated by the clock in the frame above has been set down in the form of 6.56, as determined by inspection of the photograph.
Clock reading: 9.17
